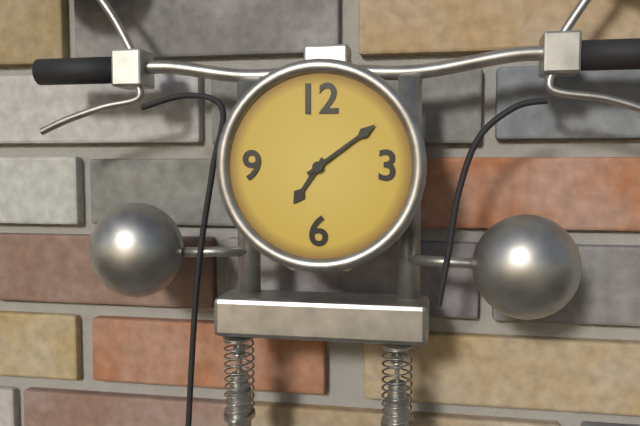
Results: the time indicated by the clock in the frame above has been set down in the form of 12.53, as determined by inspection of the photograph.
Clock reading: 7.09
